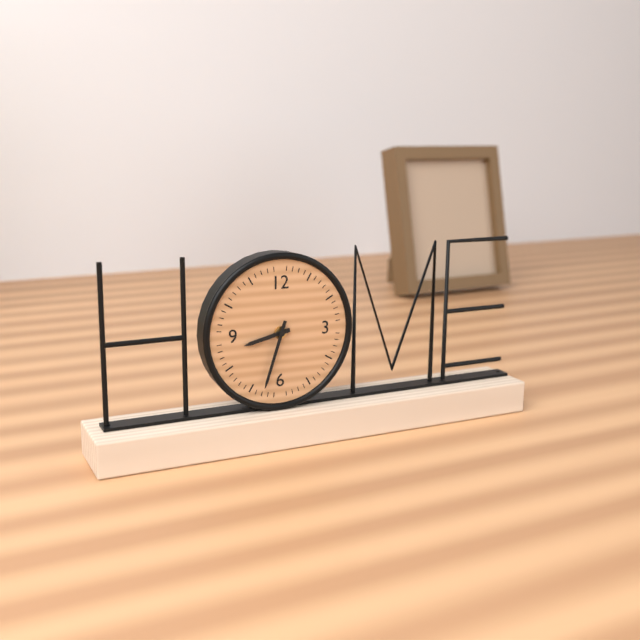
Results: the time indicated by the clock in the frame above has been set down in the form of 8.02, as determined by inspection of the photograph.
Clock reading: 8.33
